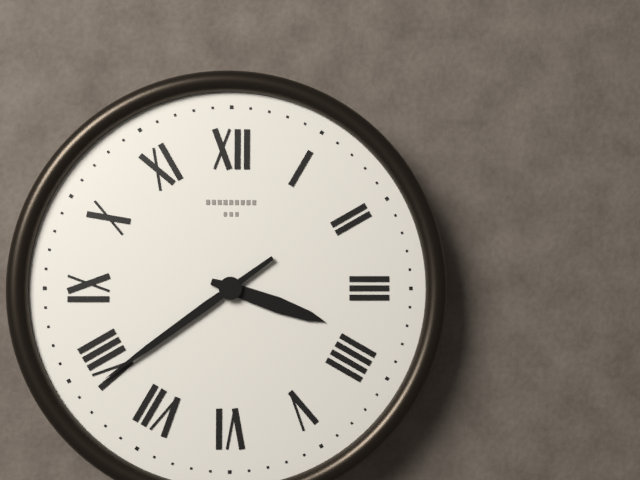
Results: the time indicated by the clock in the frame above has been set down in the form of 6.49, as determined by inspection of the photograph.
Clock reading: 3.39
